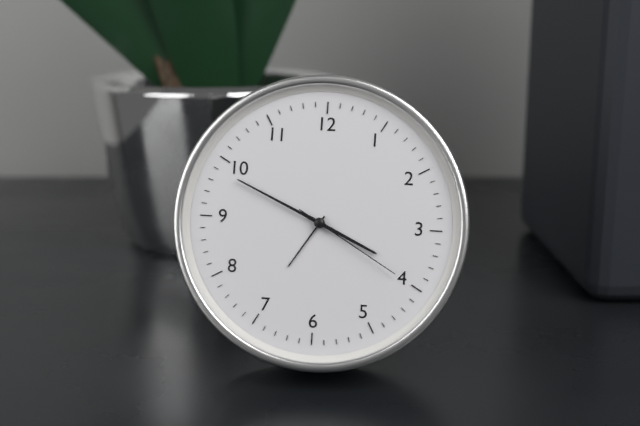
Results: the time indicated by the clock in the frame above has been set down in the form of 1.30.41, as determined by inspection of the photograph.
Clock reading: 3.49.20
